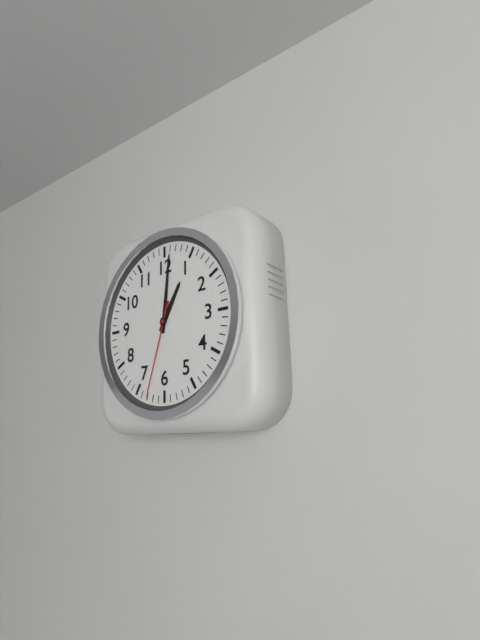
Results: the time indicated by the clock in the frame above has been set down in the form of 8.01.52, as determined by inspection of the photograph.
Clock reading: 1.01.33
